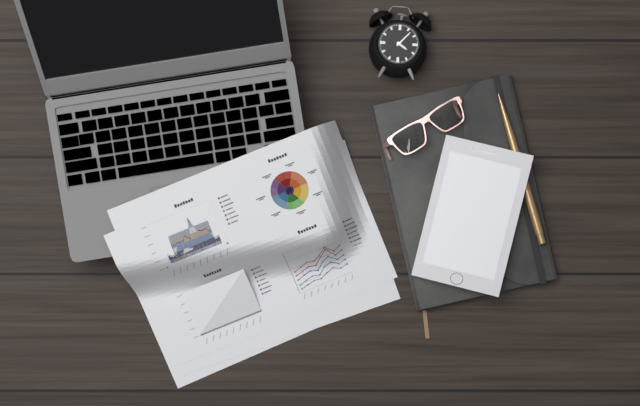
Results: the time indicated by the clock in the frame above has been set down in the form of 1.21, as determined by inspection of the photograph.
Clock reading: 4.07
